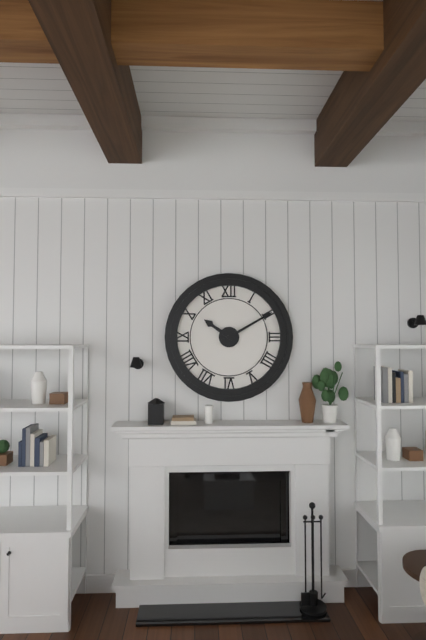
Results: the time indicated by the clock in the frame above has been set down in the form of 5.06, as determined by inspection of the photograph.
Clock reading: 10.10
